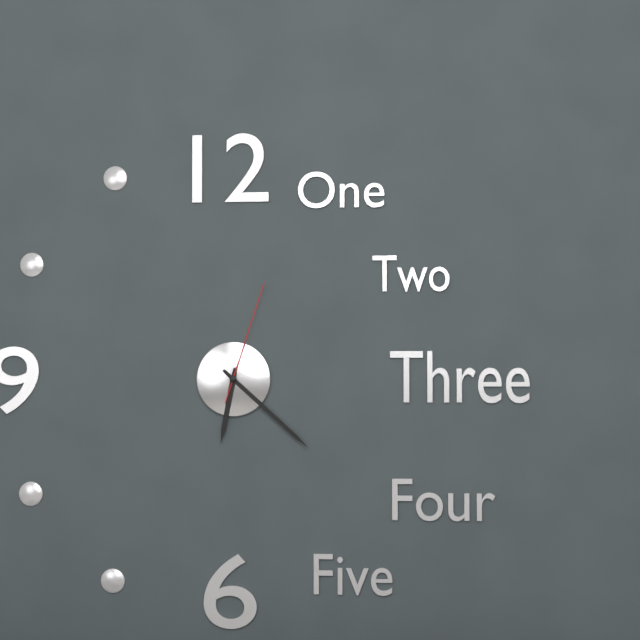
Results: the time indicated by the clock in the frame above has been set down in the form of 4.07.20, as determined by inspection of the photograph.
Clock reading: 6.22.03
